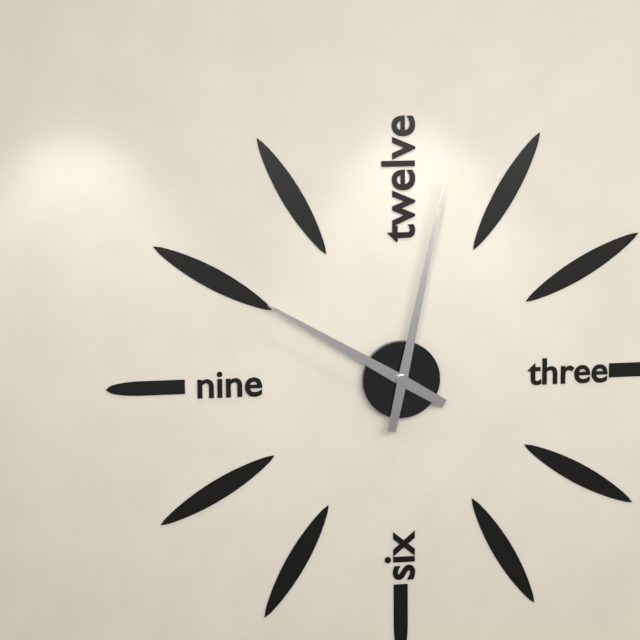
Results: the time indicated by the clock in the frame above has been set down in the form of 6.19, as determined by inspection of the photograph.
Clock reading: 10.02
